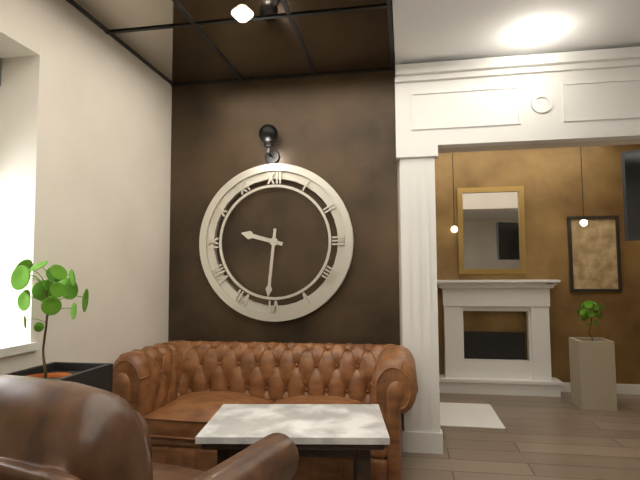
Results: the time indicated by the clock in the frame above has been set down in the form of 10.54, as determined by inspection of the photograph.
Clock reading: 9.31
